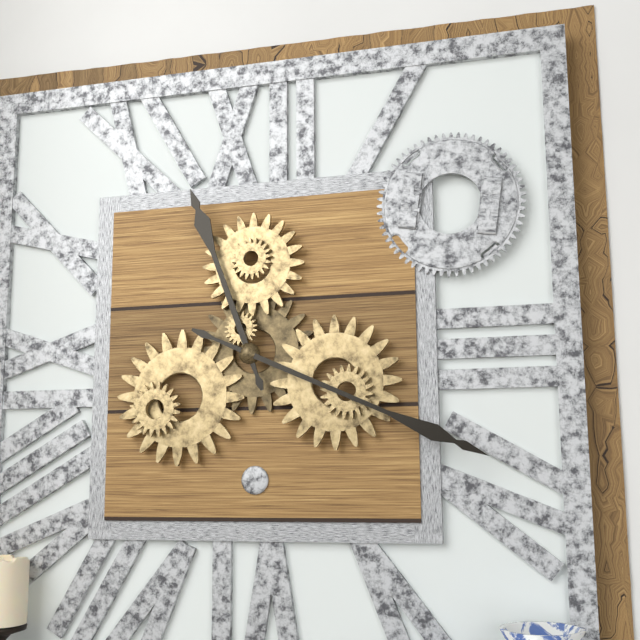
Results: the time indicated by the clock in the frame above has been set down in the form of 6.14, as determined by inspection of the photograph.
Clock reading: 11.19
